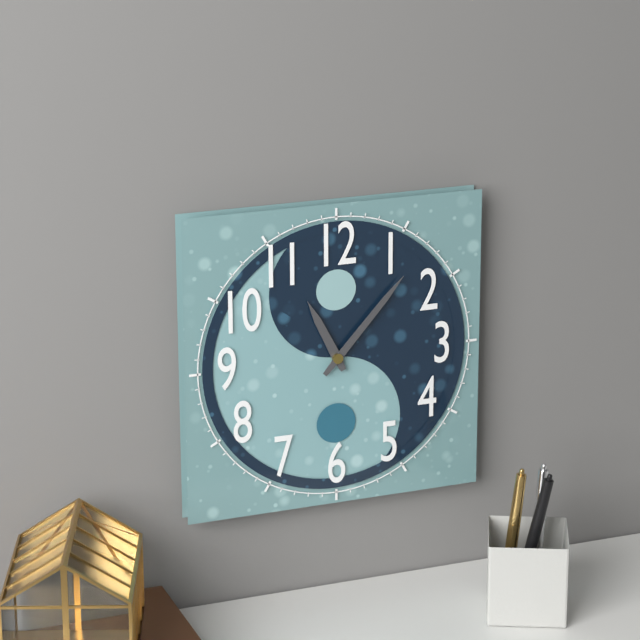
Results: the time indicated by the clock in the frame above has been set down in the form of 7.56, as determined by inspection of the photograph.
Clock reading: 11.07
